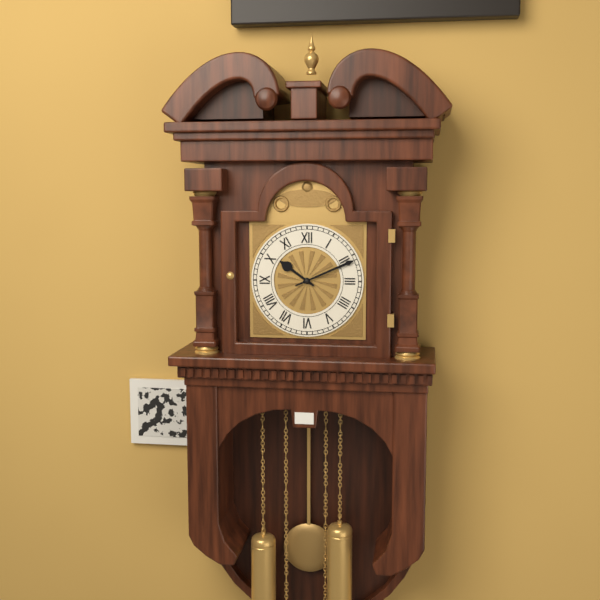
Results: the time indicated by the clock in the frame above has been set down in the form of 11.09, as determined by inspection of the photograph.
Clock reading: 10.11
